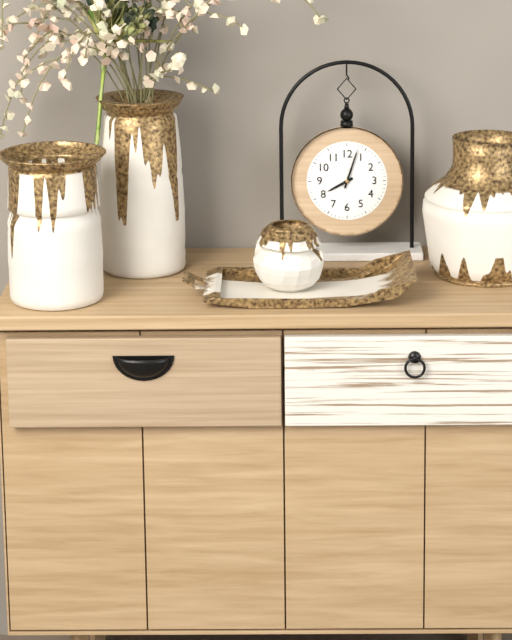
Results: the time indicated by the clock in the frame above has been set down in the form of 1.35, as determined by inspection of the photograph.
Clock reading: 8.03
